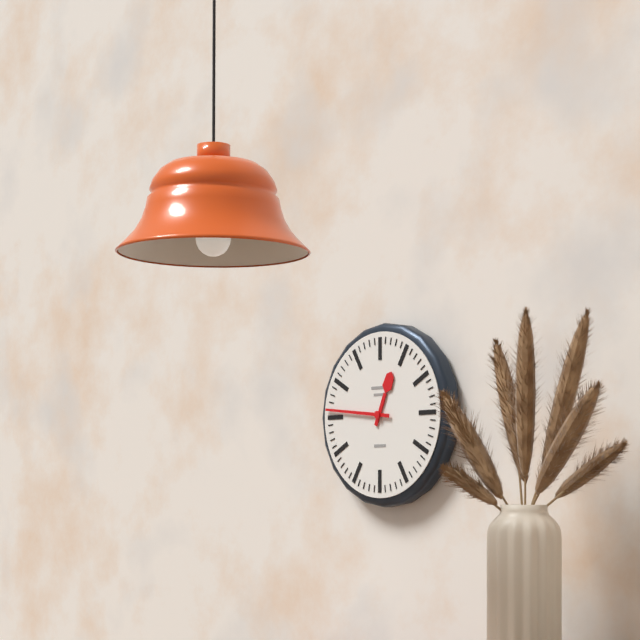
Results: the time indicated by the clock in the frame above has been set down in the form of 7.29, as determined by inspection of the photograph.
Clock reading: 12.46
